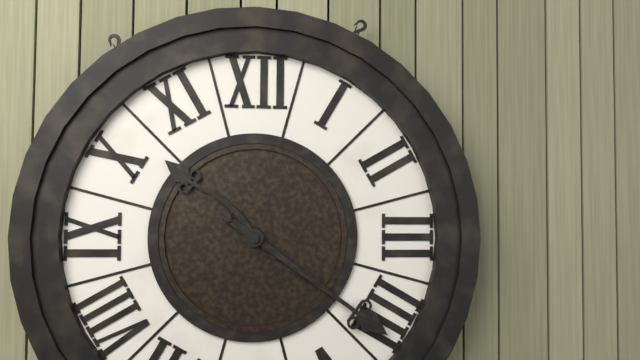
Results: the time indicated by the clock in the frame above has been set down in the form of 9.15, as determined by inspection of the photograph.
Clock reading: 10.21
